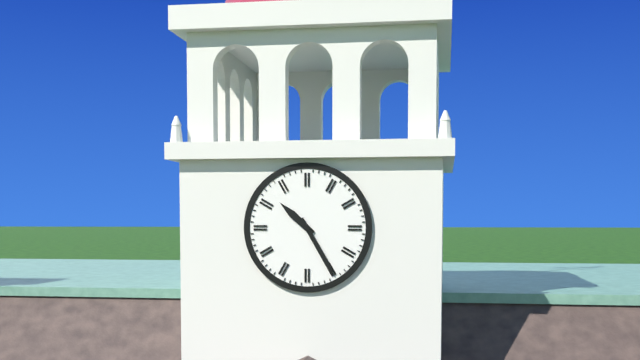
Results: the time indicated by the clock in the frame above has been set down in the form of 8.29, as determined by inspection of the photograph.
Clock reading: 10.25
